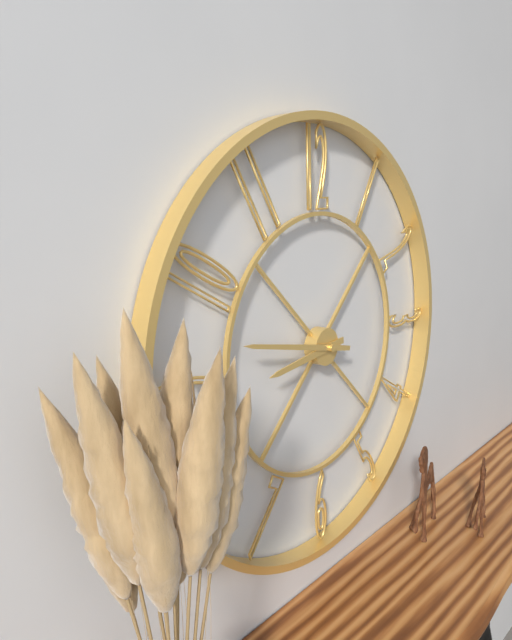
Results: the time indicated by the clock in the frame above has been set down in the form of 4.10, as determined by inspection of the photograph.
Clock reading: 8.47
